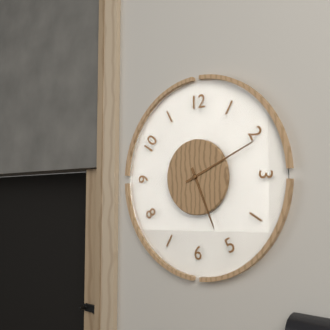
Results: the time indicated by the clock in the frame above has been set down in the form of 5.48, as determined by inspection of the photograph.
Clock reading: 5.11
